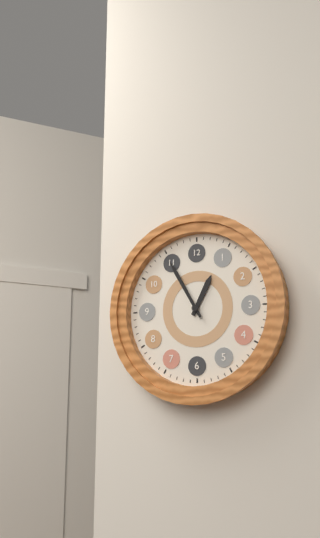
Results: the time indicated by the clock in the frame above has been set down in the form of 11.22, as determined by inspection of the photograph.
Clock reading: 12.55
